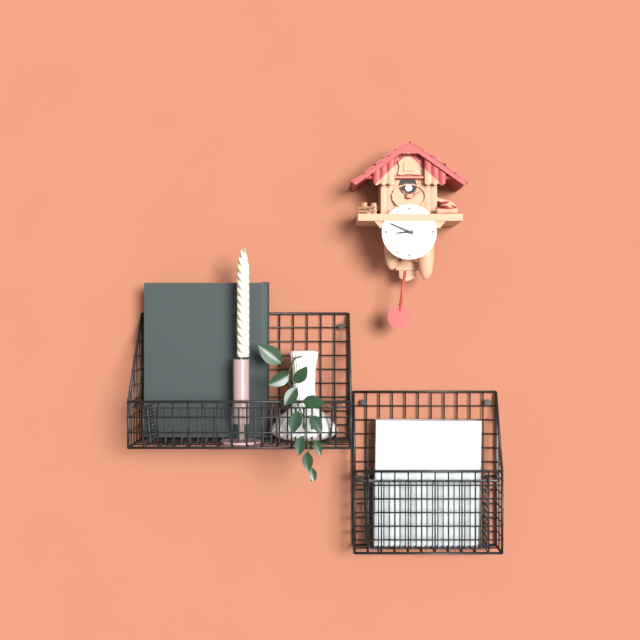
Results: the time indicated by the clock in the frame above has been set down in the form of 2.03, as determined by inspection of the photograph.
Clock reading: 8.49
